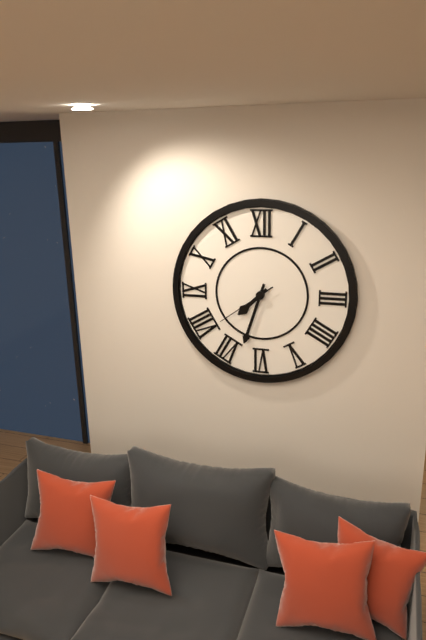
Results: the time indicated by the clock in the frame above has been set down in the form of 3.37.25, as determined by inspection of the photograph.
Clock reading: 7.33.39
